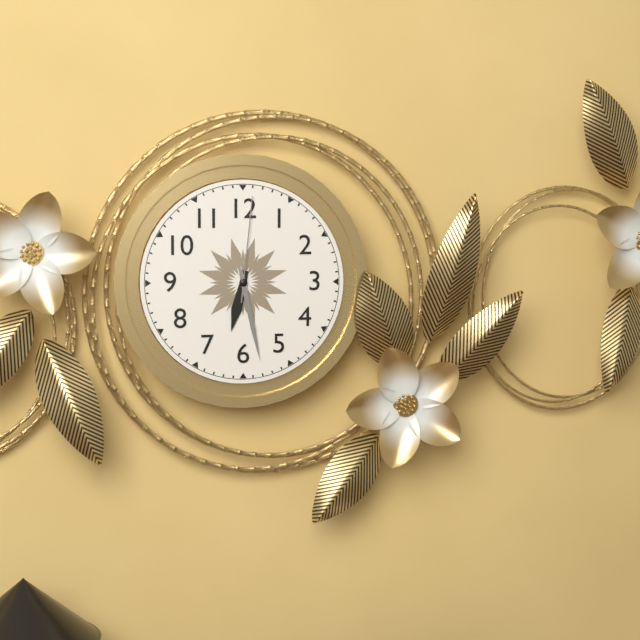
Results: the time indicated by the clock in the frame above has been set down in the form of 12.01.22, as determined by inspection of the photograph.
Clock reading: 6.28.01
